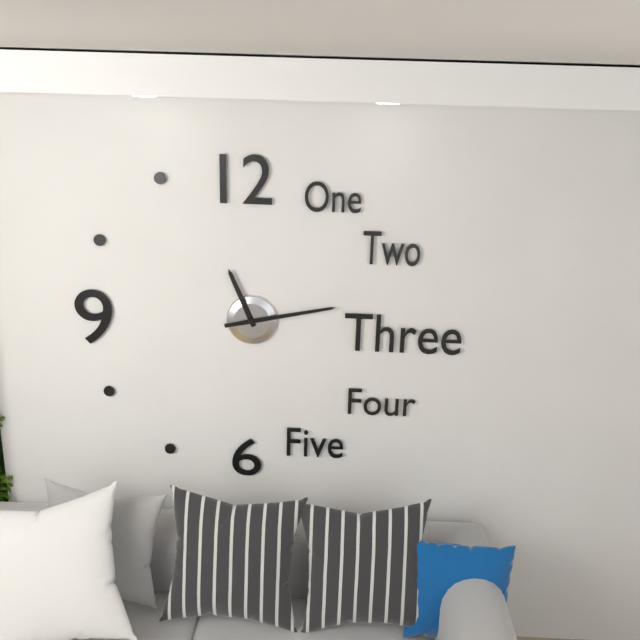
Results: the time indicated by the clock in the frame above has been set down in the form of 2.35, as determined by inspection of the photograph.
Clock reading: 11.13
